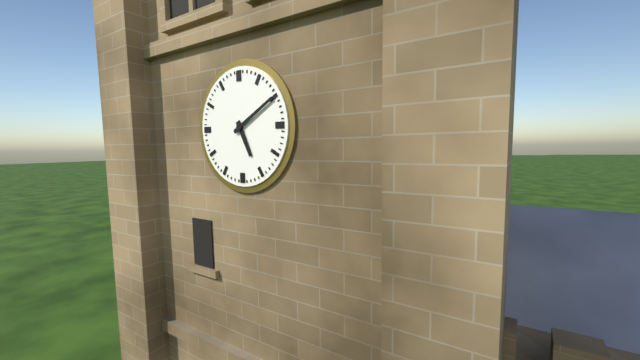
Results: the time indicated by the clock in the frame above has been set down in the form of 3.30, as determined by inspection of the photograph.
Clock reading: 5.10
